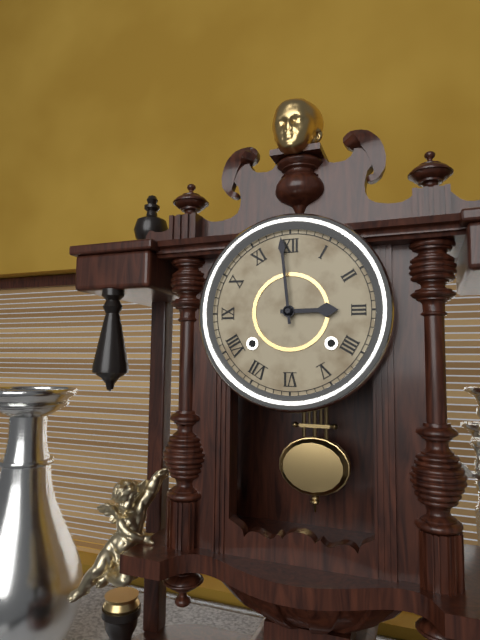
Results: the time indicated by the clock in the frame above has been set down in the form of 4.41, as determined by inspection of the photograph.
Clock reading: 2.59
